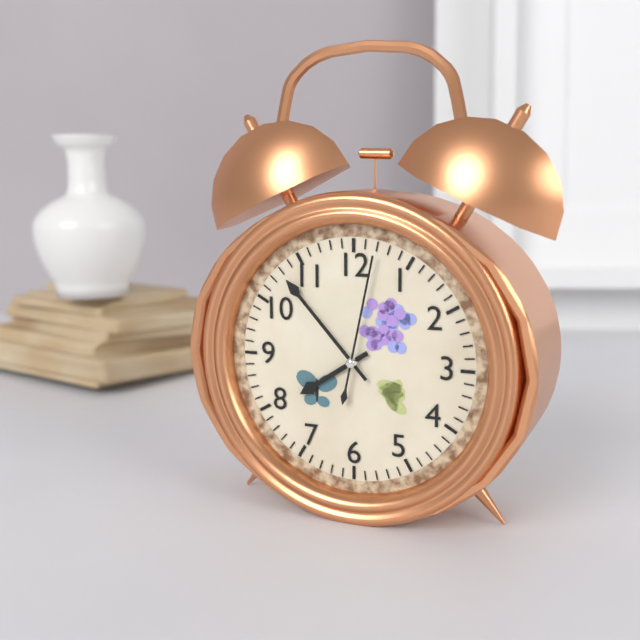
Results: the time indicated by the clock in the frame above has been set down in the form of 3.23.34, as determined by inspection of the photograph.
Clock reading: 7.53.02
